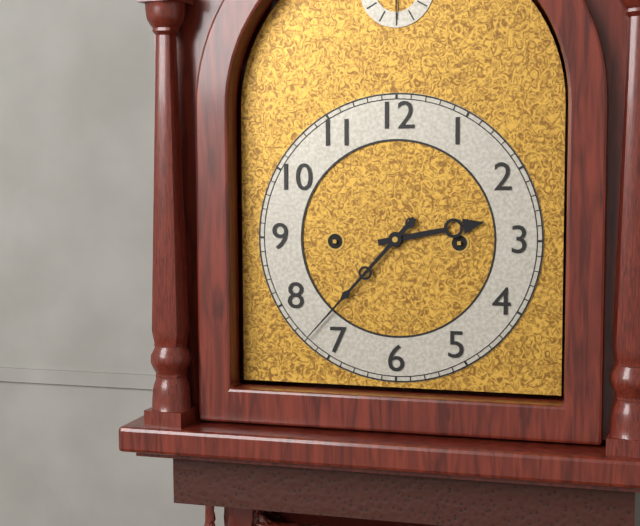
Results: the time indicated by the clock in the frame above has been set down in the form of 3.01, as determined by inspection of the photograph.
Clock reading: 2.37
